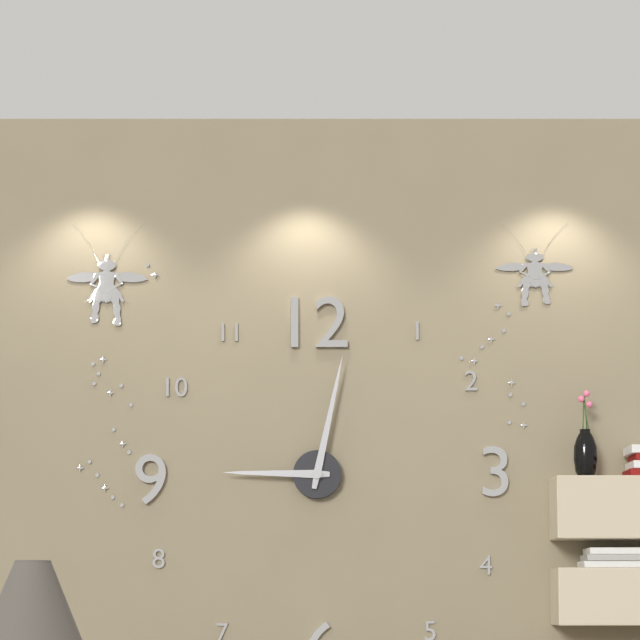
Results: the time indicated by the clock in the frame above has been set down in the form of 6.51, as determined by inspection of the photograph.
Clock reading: 9.02
